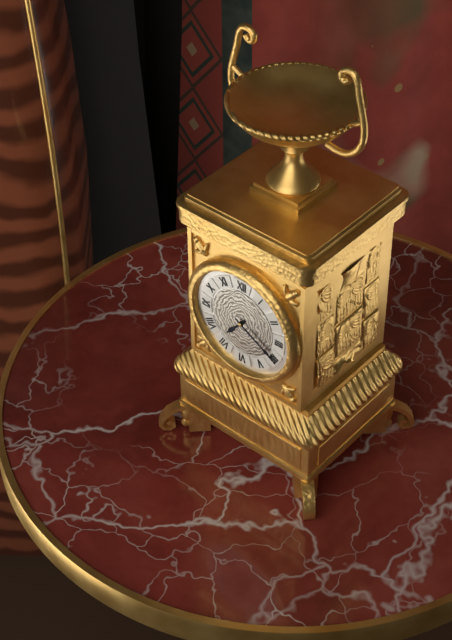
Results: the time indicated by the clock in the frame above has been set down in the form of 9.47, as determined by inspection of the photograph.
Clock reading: 7.20
